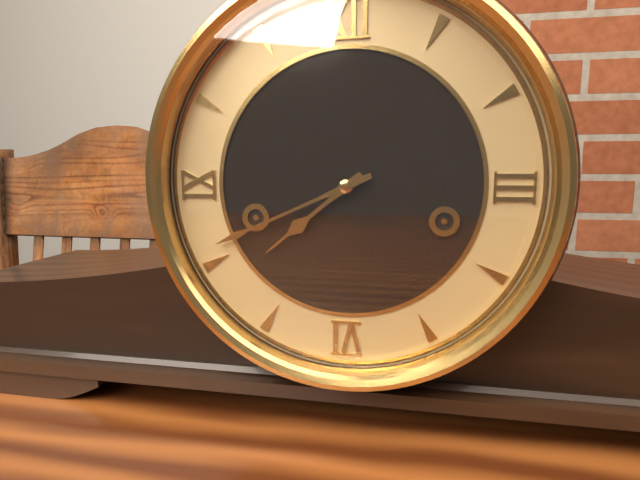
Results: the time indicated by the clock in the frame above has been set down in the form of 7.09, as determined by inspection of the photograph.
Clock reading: 7.41
